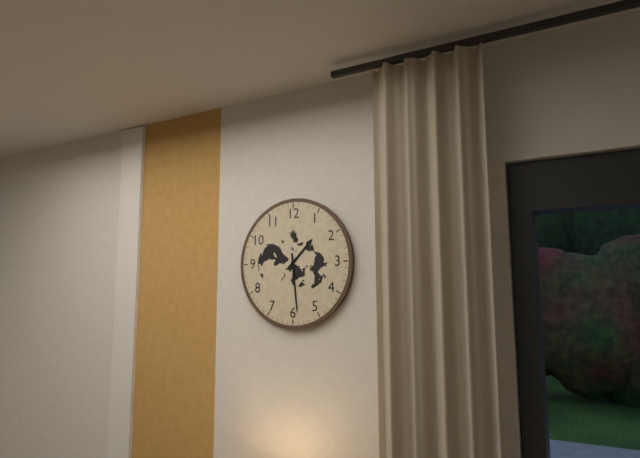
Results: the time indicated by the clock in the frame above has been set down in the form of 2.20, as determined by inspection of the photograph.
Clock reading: 1.29
